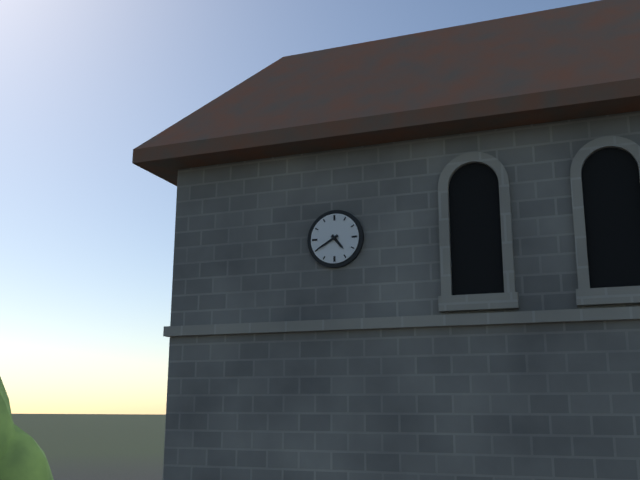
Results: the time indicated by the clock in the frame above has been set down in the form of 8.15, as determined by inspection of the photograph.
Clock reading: 4.40
